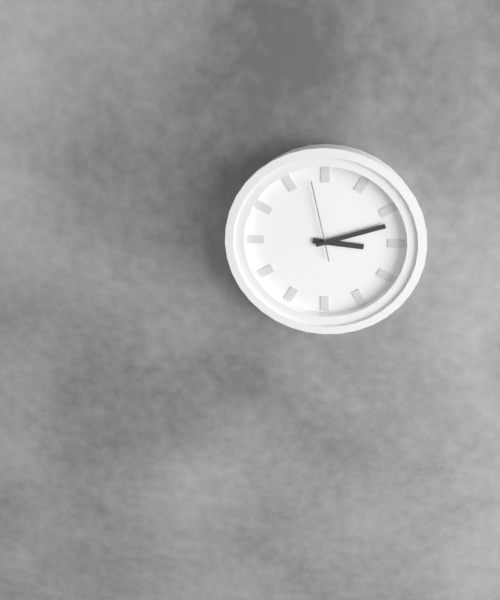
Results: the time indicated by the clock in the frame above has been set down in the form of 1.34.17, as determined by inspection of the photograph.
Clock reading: 3.12.58
